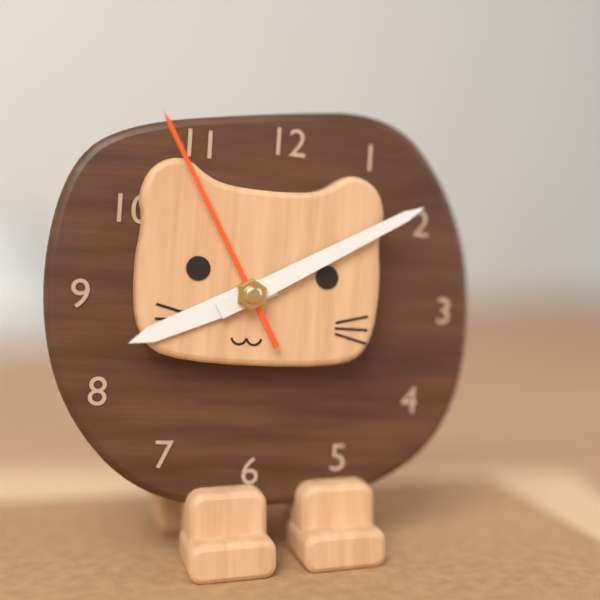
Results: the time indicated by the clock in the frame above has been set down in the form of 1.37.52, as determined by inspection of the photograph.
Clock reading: 8.10.55
